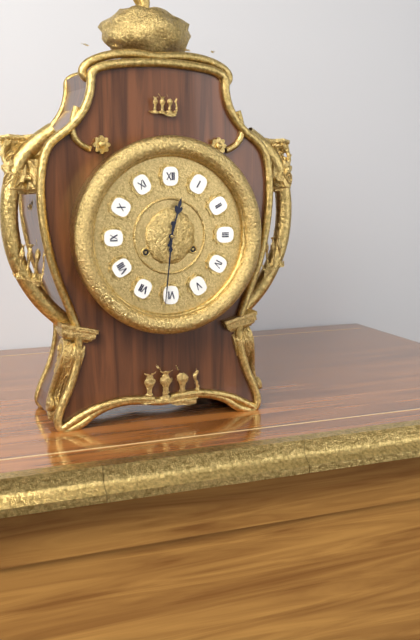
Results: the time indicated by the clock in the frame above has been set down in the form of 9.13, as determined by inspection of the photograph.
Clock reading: 12.31
